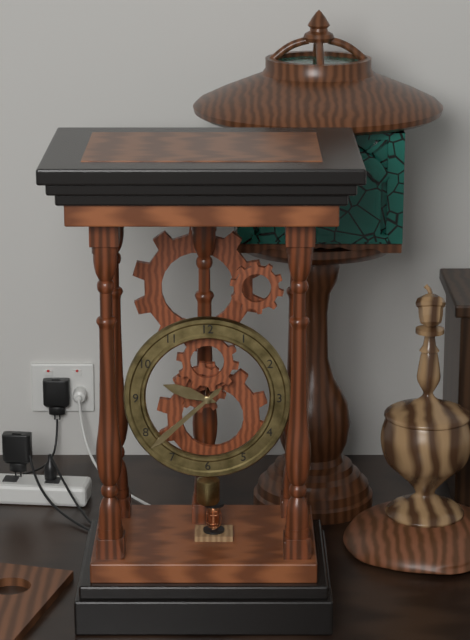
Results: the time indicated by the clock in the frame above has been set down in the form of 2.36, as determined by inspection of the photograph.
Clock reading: 9.38
